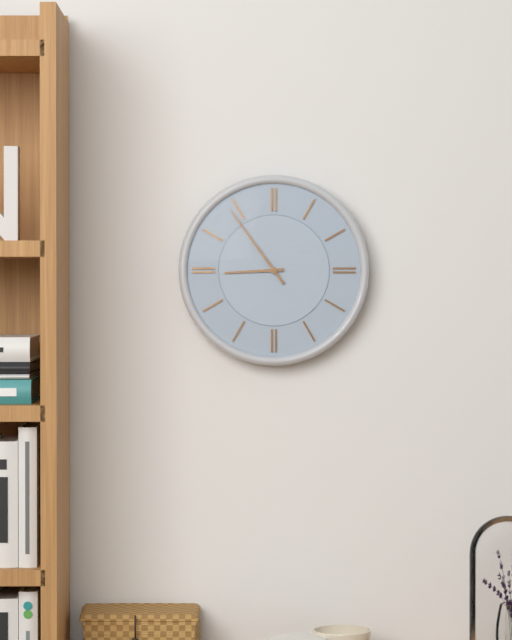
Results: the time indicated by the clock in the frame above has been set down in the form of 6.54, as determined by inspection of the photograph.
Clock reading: 8.54
